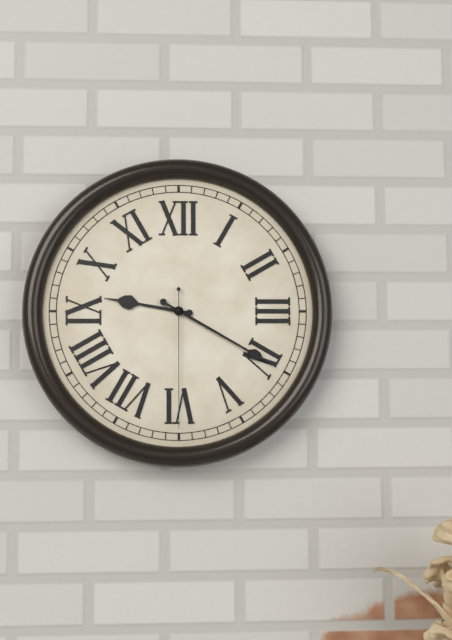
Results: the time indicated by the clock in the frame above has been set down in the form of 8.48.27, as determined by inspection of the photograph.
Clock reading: 9.20.30
